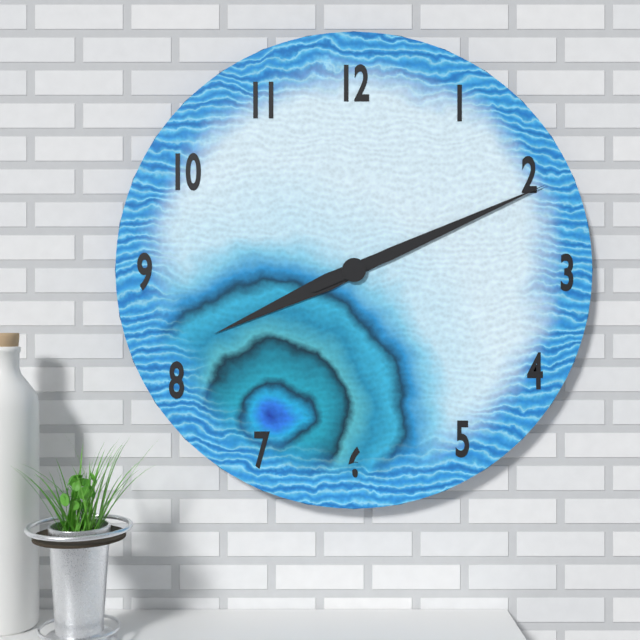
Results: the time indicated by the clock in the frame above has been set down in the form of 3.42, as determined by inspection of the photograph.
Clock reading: 8.11
